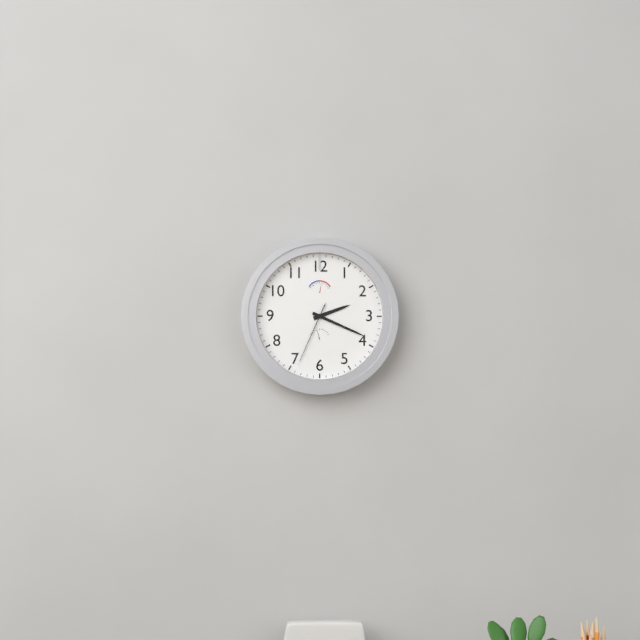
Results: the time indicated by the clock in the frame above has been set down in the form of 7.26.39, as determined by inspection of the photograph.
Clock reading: 2.19.34
